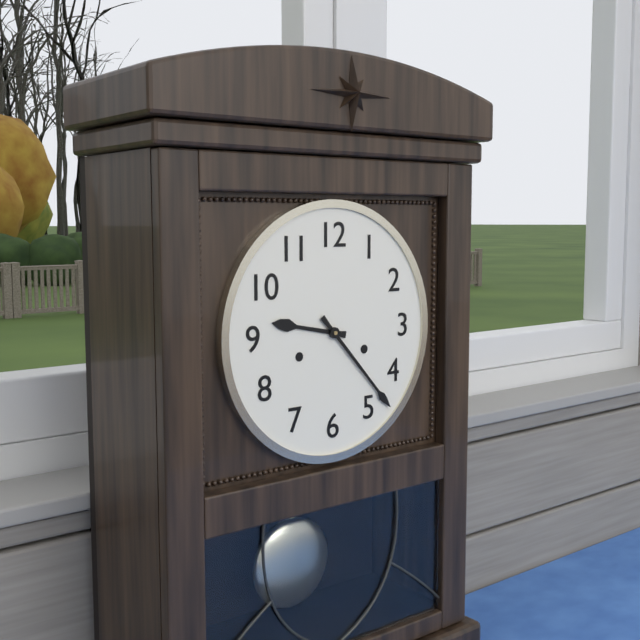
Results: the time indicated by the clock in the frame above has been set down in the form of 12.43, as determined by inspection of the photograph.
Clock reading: 9.23
